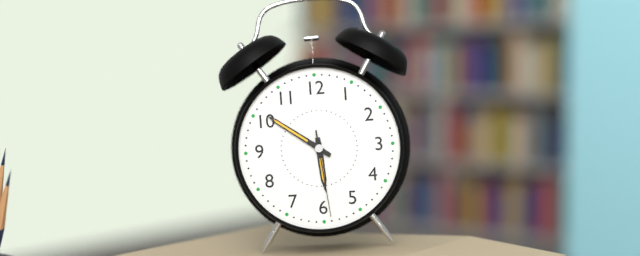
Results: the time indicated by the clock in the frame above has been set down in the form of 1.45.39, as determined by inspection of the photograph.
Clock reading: 5.51.29
